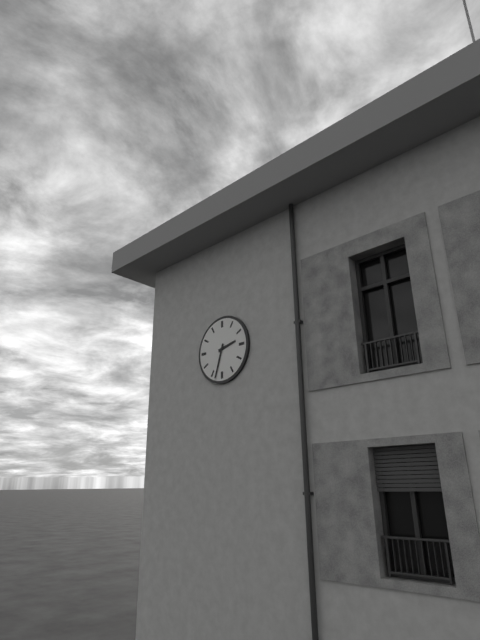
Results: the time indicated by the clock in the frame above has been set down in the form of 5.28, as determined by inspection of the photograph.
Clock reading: 2.33
